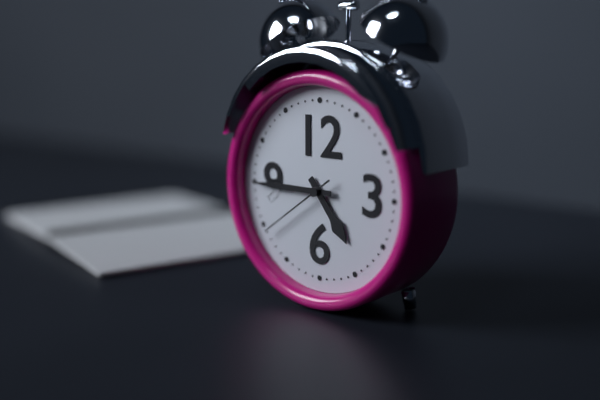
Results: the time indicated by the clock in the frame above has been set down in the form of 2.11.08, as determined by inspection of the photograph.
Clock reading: 4.45.39
